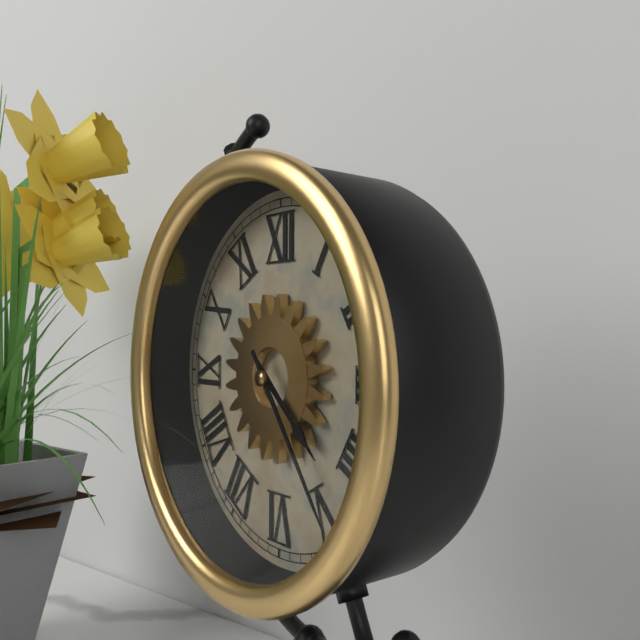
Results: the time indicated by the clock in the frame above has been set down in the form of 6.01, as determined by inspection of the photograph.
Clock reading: 4.24
